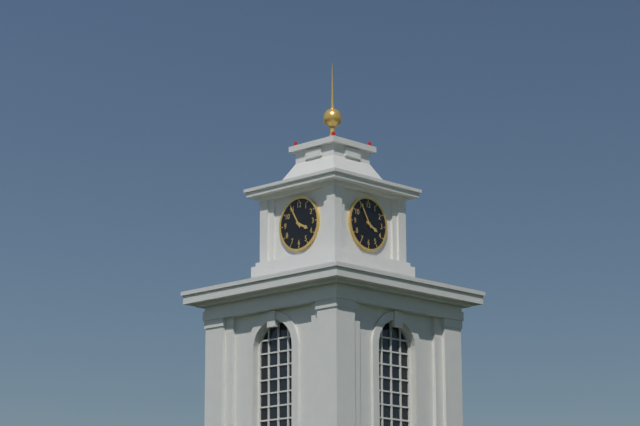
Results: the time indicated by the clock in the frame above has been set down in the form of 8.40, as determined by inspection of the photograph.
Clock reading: 3.55
